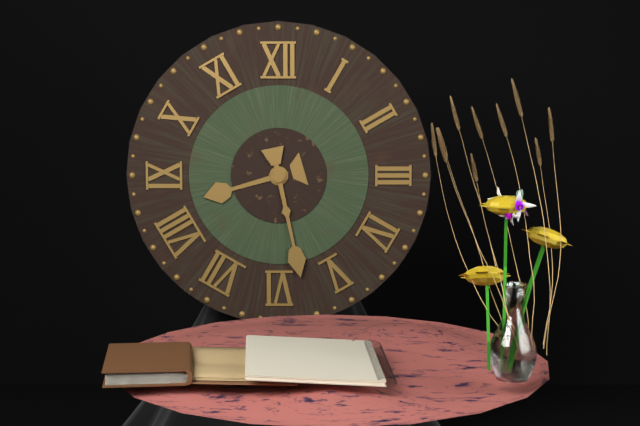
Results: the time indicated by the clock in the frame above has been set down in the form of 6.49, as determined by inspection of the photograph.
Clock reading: 8.28
